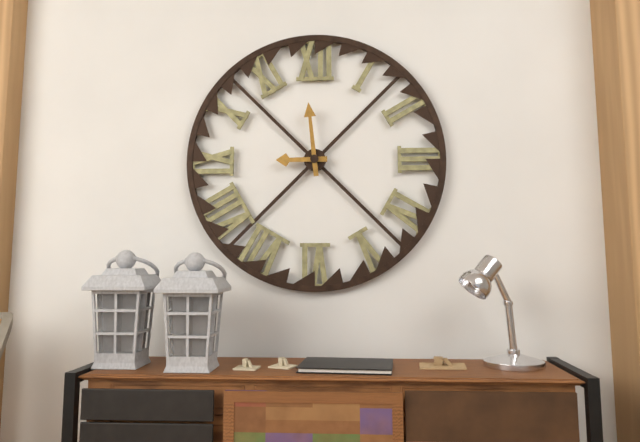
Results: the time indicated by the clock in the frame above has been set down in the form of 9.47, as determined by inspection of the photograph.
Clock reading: 8.59
